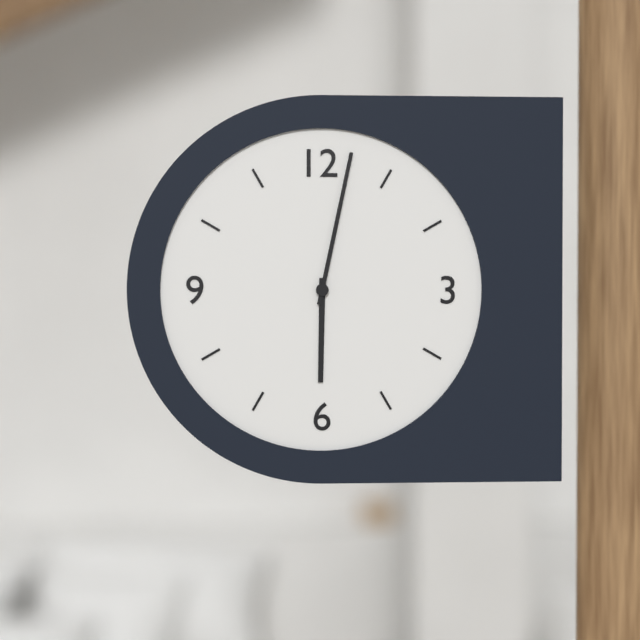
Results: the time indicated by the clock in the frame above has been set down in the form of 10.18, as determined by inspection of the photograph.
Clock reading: 6.02
